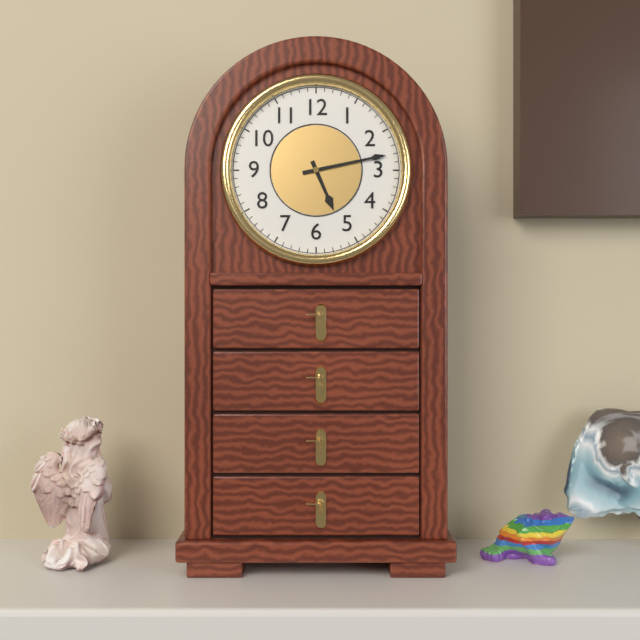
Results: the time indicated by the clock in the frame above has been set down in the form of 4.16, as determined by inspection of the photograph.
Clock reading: 5.13
